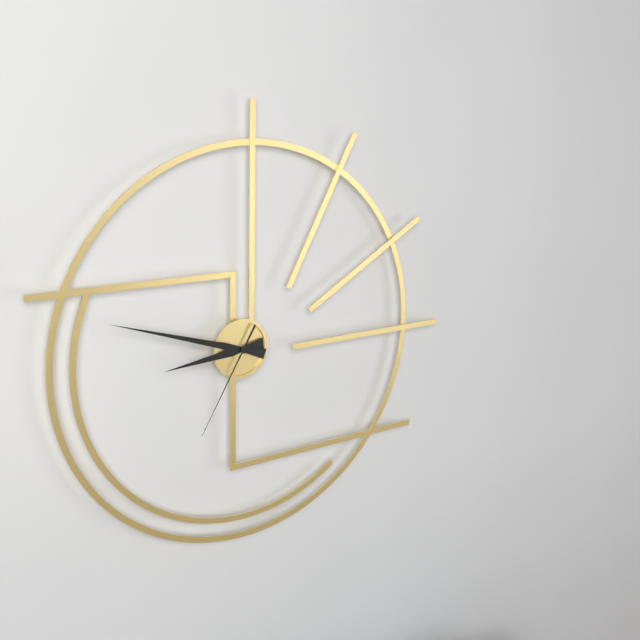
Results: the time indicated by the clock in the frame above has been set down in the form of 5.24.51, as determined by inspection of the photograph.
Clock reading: 8.48.35
